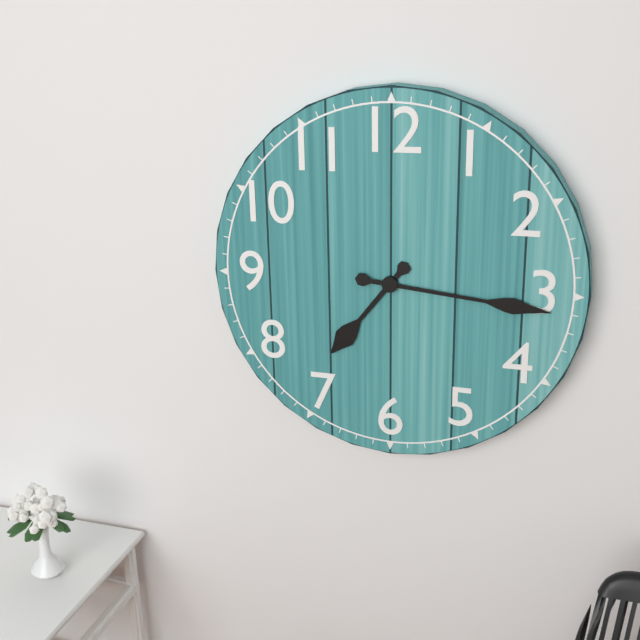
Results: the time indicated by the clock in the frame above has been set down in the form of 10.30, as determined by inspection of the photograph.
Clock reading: 7.16
